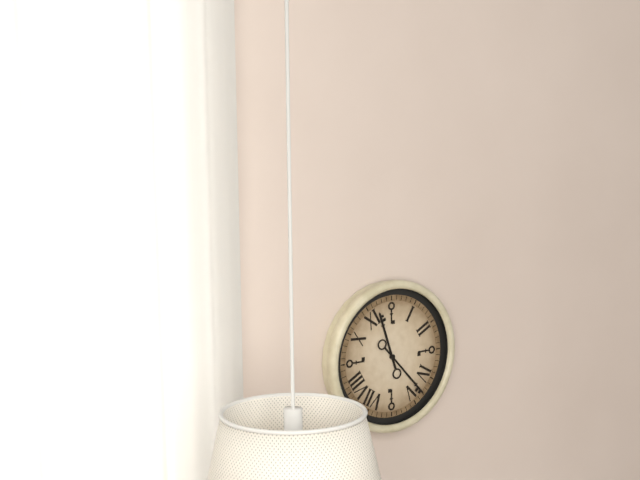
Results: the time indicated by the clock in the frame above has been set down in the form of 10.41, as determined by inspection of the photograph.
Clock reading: 11.23
